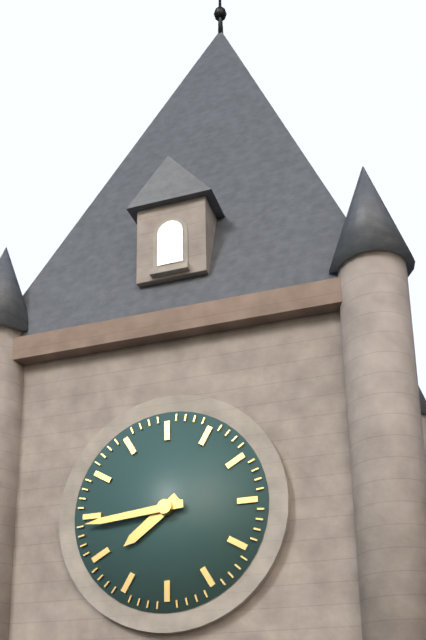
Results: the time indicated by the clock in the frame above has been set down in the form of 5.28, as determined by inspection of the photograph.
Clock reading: 7.44
